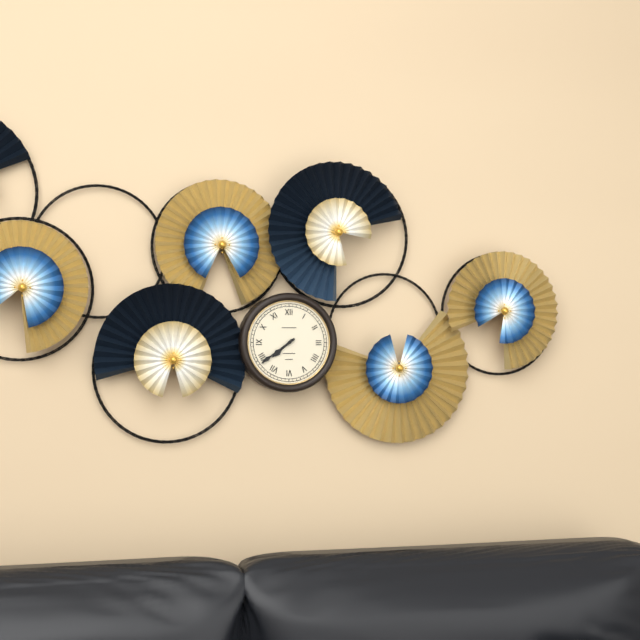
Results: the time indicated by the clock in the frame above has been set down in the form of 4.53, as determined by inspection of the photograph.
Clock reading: 7.39
